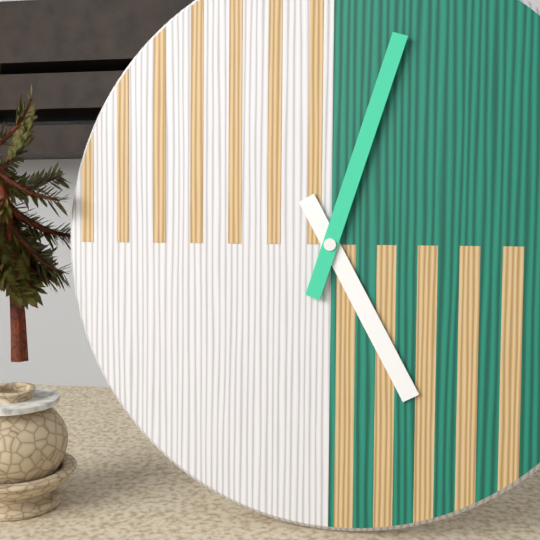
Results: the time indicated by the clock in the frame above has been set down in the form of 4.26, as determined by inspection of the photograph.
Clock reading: 5.03
